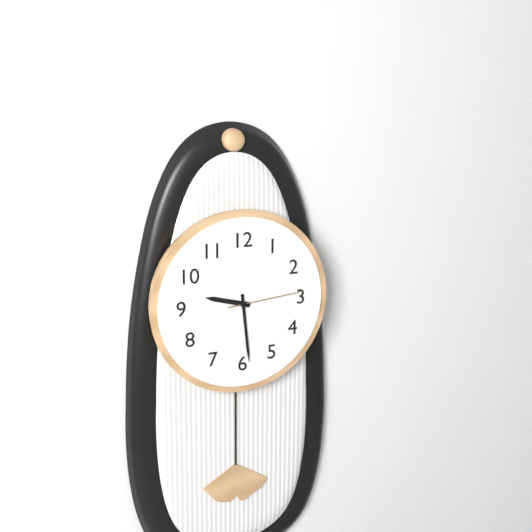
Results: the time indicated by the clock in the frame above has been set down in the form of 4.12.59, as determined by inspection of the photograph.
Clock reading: 9.29.14
